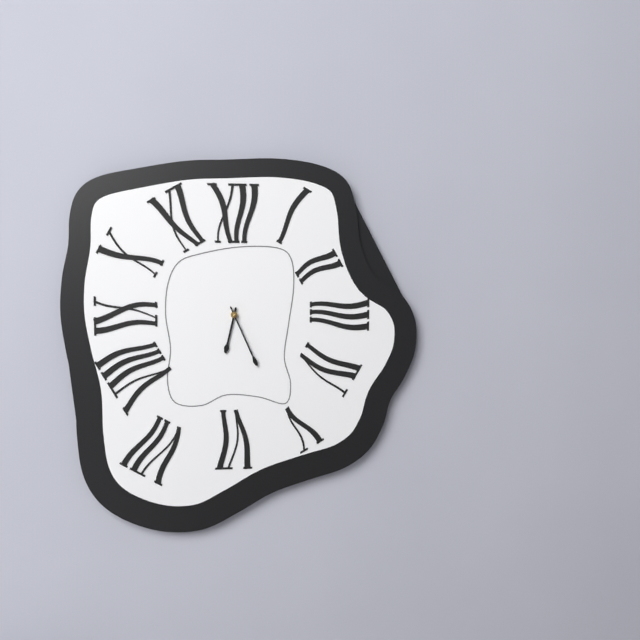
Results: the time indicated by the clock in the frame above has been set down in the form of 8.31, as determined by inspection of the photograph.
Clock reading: 6.26
